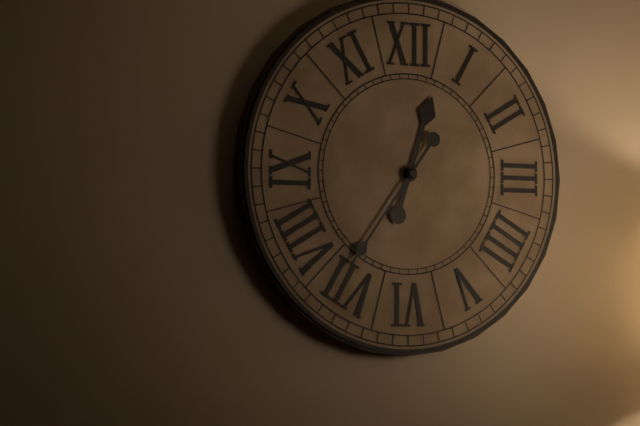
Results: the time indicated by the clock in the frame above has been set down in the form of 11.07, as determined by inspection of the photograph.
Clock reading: 12.36
